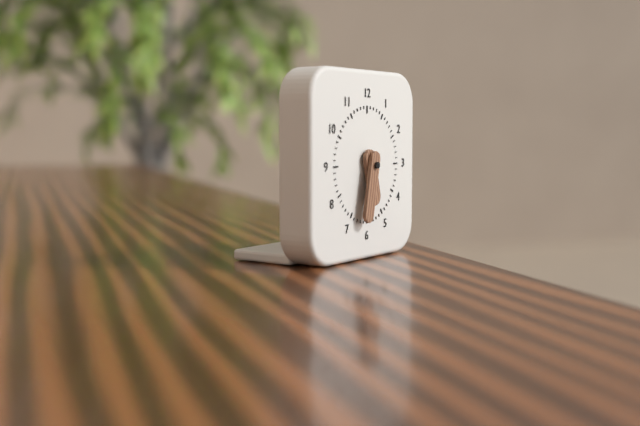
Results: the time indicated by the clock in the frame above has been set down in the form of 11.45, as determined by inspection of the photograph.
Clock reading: 5.32
